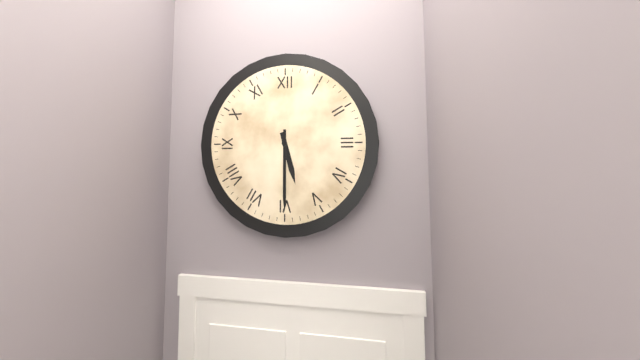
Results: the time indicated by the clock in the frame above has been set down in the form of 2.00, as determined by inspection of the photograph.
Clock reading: 5.30
